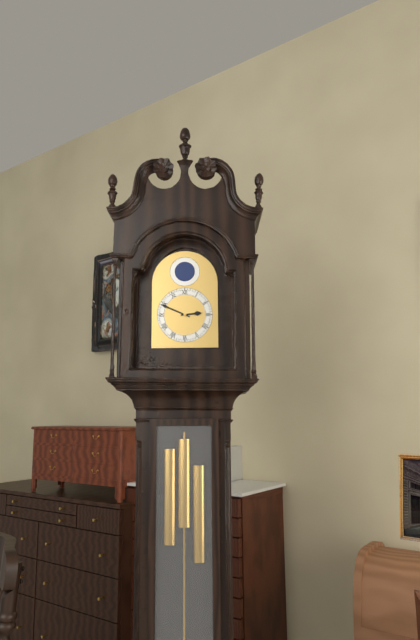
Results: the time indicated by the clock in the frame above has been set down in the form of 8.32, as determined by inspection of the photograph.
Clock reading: 2.49
